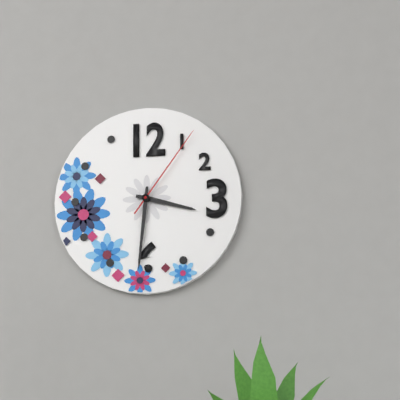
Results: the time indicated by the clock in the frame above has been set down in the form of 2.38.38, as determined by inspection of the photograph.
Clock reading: 3.31.06
